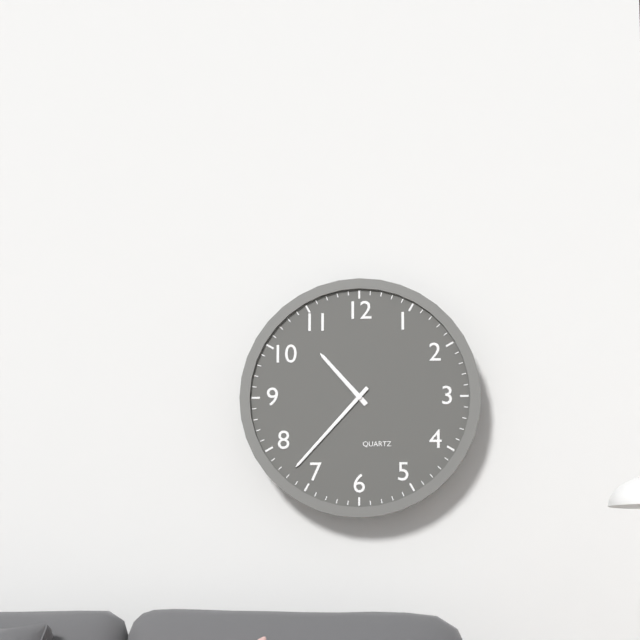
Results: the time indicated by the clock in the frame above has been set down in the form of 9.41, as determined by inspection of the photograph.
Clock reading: 10.37
